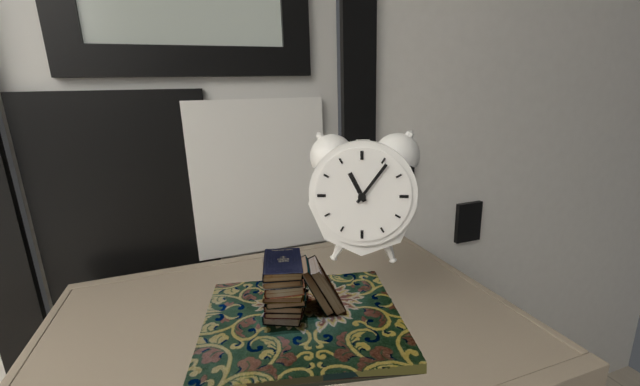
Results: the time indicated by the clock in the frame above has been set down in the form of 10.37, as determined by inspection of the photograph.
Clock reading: 11.06
